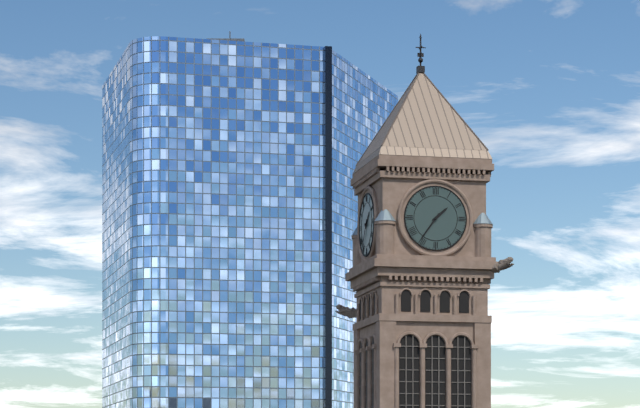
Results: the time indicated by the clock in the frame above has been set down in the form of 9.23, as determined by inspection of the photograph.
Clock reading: 1.36
